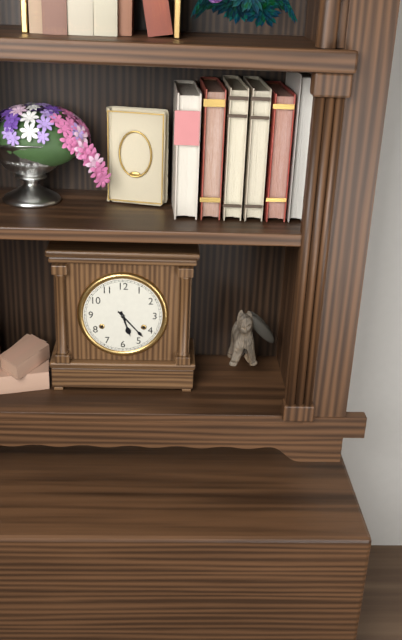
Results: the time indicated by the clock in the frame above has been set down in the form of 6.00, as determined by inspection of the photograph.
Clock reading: 5.23
